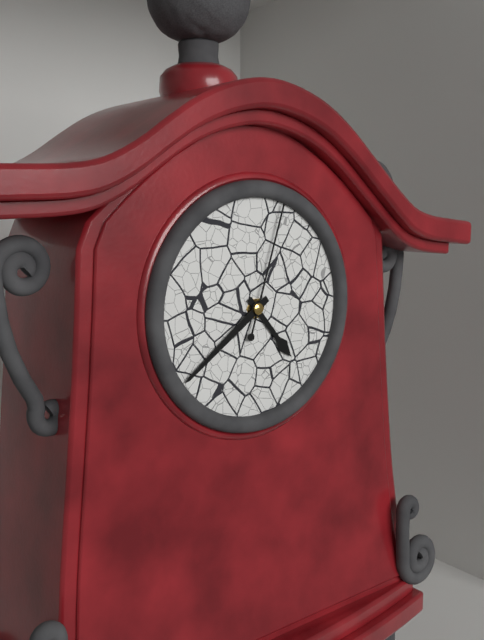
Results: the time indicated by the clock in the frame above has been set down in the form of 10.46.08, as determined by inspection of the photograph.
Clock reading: 4.39.03
